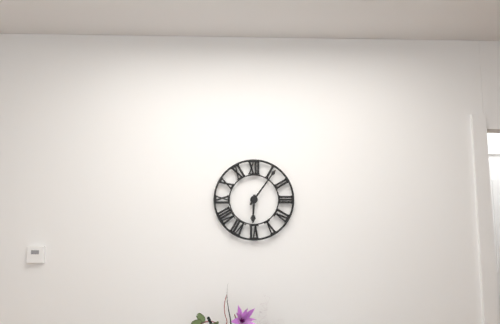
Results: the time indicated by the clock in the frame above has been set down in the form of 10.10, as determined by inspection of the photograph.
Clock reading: 6.06
